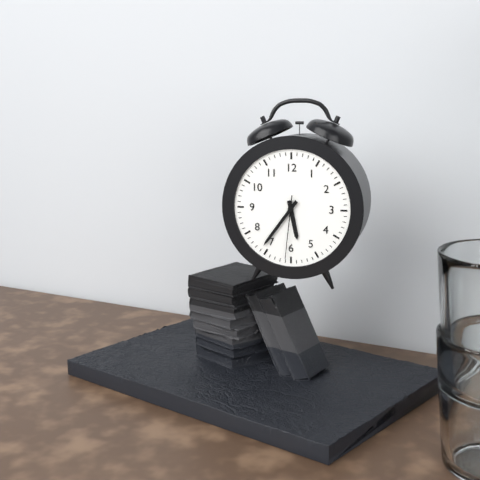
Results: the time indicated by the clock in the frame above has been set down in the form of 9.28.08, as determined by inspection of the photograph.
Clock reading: 5.36.31
